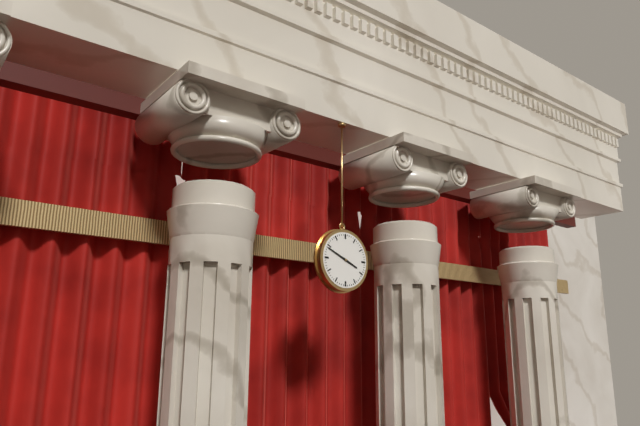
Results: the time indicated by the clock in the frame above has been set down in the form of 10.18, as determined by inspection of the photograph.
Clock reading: 3.49
